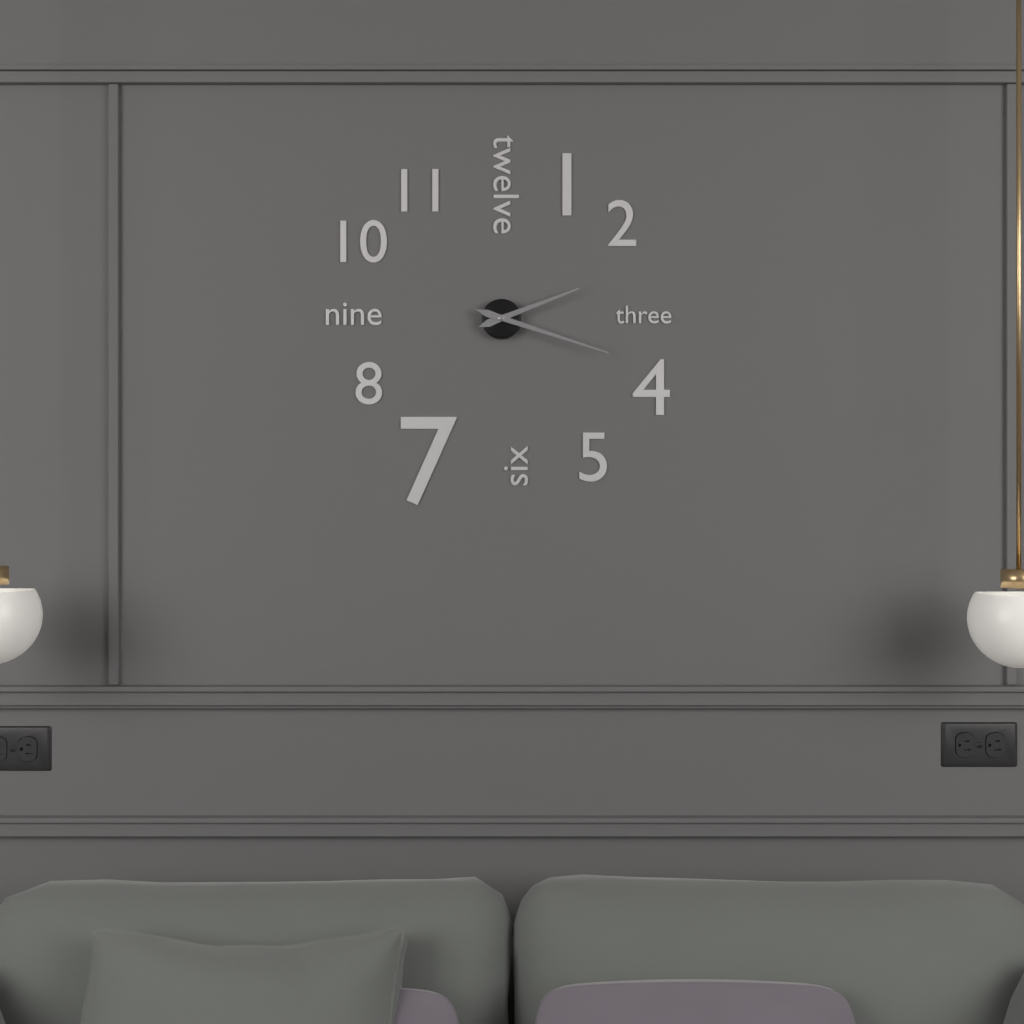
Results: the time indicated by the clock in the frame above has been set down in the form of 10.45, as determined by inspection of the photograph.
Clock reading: 2.18
